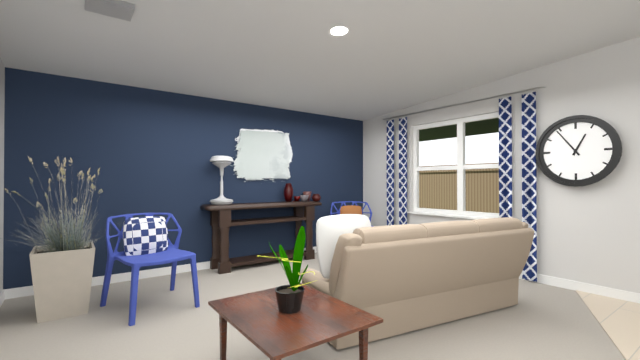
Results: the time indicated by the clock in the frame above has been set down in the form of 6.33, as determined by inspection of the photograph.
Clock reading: 12.54
